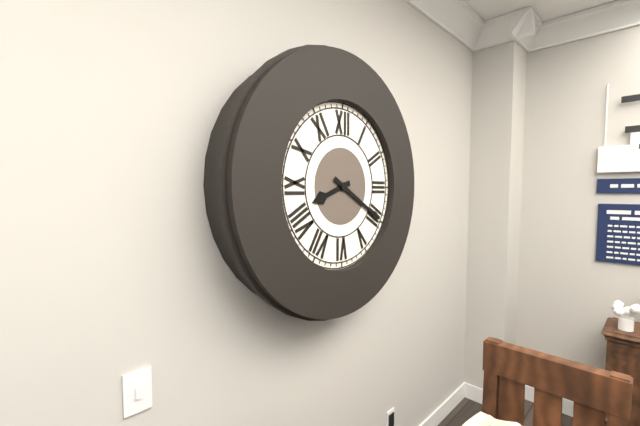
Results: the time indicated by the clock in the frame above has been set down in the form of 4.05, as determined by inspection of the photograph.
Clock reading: 8.20
